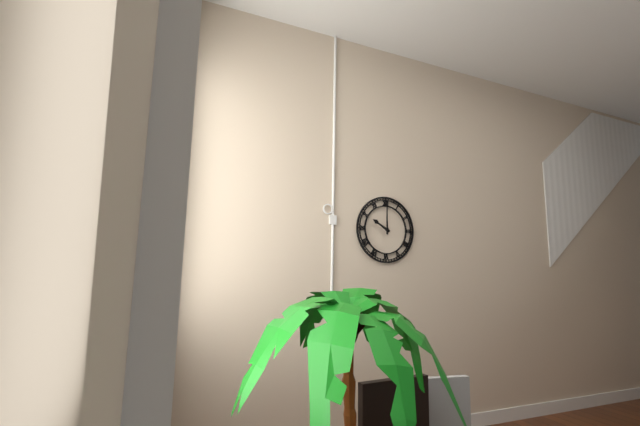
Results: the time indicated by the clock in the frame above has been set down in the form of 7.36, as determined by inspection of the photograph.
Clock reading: 10.00
